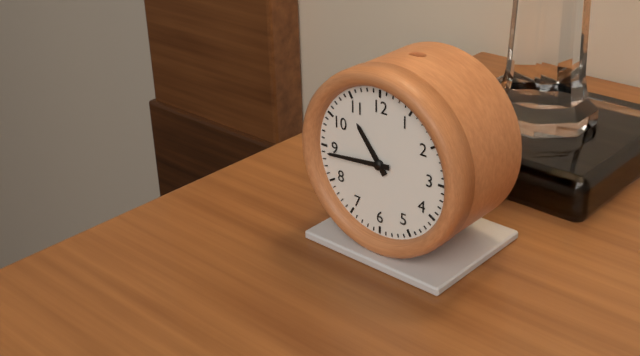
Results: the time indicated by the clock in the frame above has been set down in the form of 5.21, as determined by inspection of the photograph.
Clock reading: 10.44
